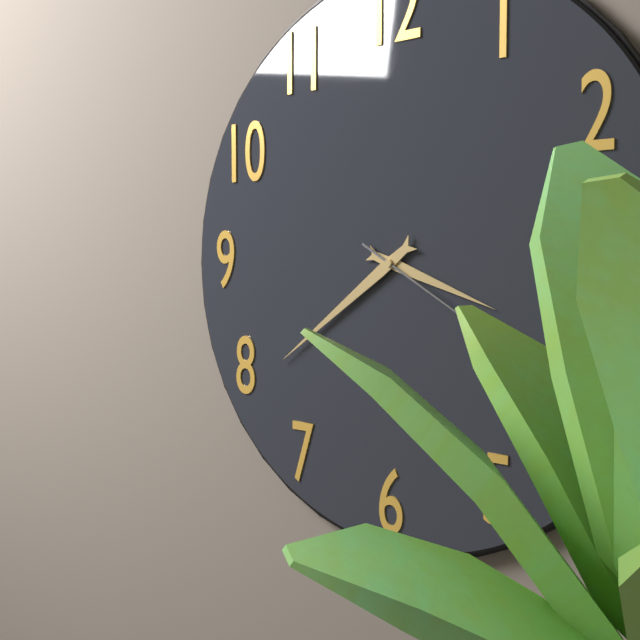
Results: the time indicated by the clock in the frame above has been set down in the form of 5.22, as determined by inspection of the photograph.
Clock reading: 3.39
